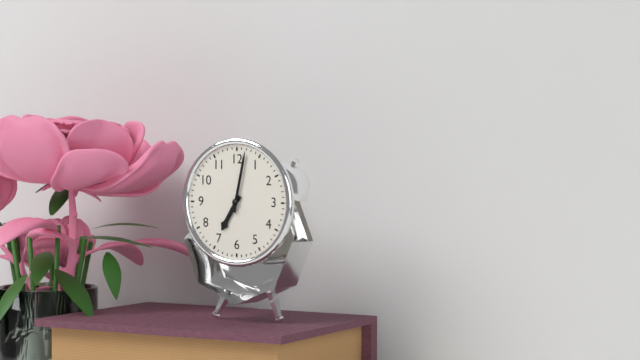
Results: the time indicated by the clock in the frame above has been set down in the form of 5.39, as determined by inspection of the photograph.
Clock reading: 7.02
